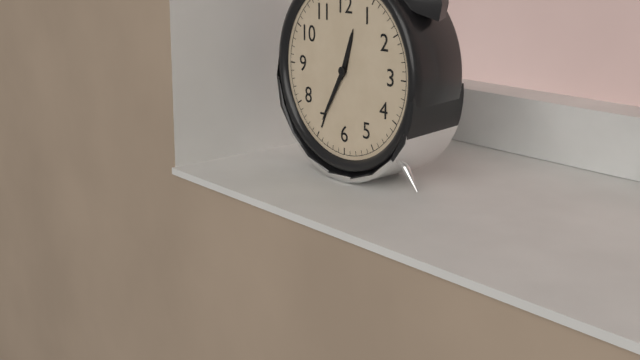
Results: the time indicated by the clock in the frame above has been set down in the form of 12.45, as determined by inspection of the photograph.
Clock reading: 12.35
